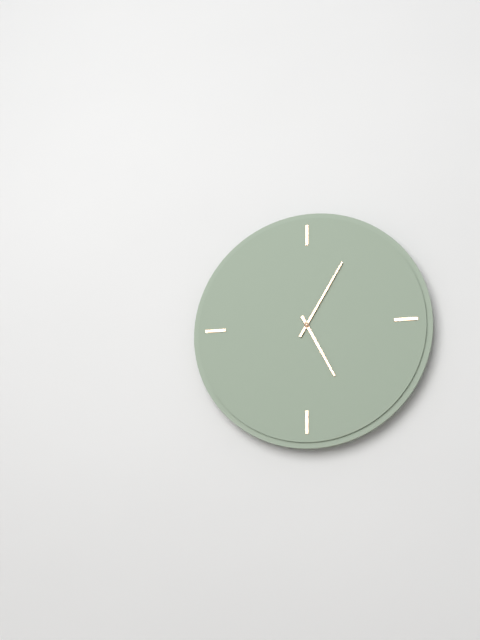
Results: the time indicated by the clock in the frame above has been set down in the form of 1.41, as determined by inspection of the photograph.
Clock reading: 5.05
